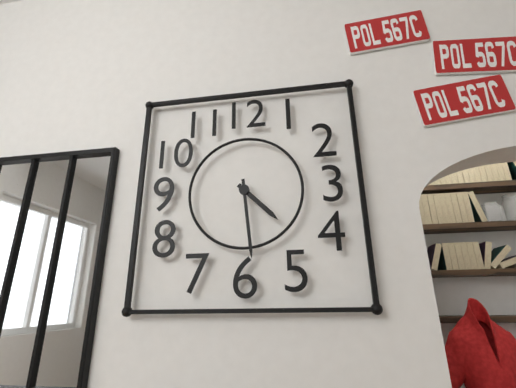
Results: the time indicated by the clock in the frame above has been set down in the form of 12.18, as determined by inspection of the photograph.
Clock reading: 4.29
